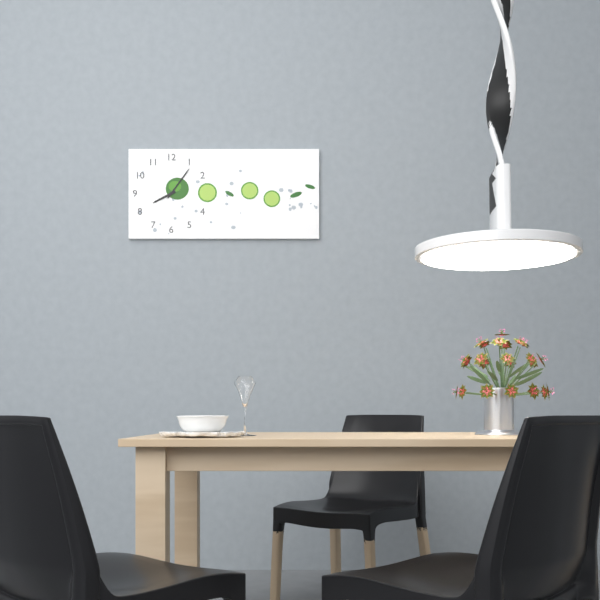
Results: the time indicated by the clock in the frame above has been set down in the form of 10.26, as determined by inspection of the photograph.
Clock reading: 8.06
